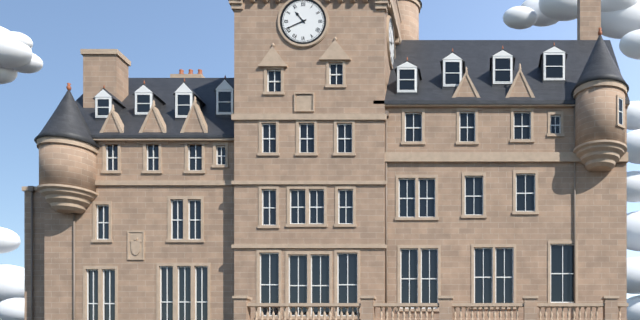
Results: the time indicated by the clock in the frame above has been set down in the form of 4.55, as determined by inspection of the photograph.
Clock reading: 10.41
